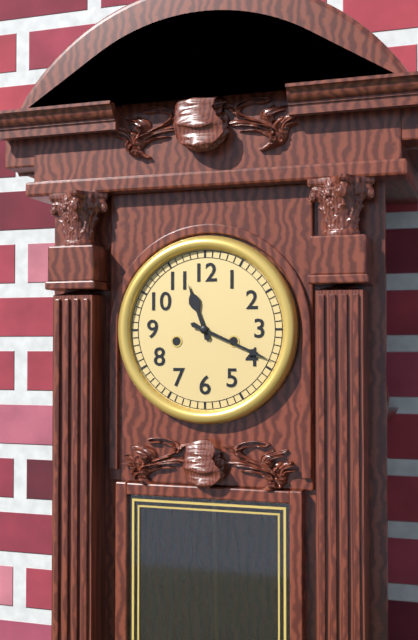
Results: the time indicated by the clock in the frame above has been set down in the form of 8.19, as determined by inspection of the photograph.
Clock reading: 11.19
